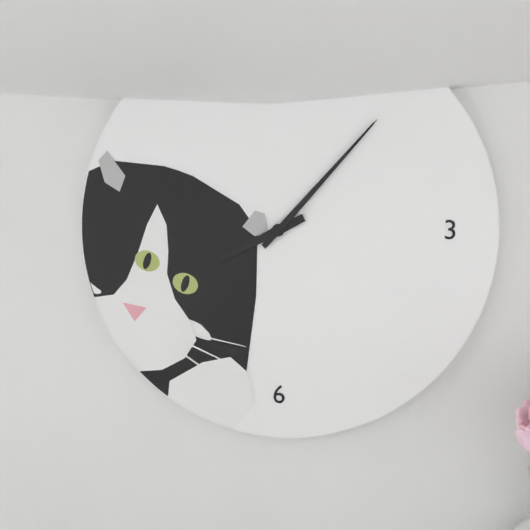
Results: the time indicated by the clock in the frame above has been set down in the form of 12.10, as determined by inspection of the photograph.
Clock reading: 8.07
